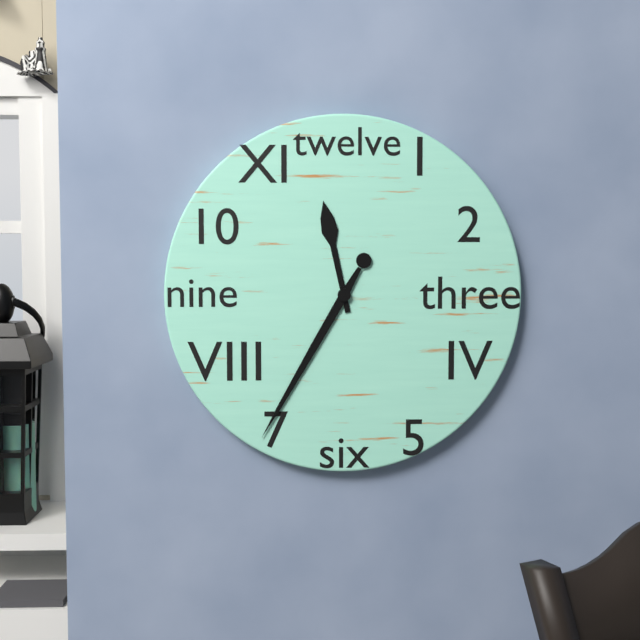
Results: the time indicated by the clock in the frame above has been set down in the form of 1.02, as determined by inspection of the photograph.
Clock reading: 11.35
